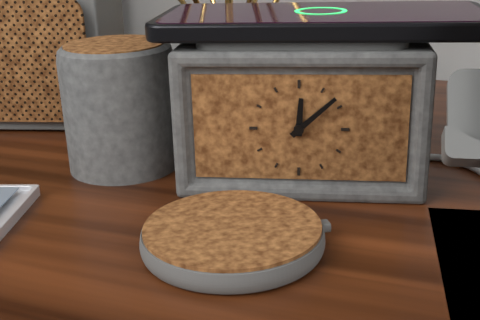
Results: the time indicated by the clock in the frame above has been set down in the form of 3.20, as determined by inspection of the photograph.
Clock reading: 12.08
